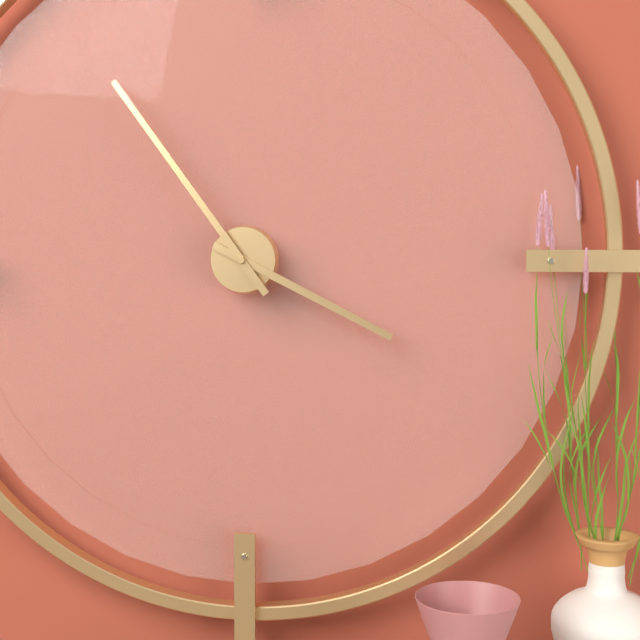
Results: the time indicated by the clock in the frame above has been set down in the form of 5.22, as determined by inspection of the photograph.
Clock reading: 3.54
